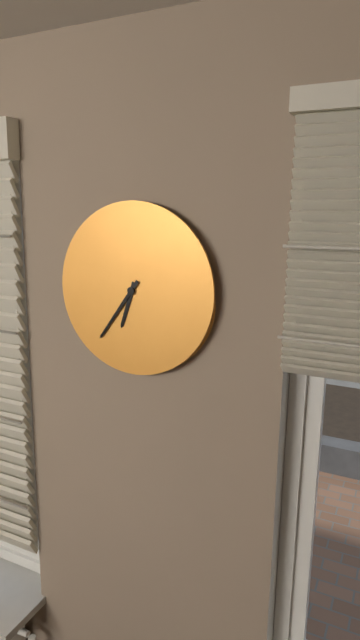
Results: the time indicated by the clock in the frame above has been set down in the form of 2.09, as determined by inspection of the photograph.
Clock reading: 6.36
